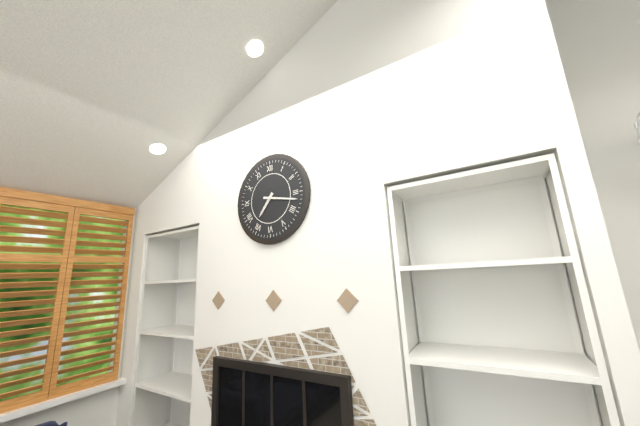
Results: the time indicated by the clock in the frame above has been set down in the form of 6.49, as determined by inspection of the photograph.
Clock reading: 7.17
